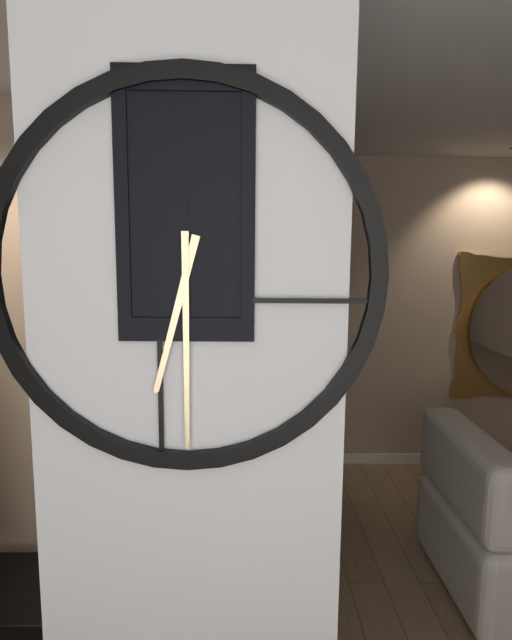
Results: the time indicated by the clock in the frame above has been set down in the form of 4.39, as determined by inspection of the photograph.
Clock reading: 6.30
